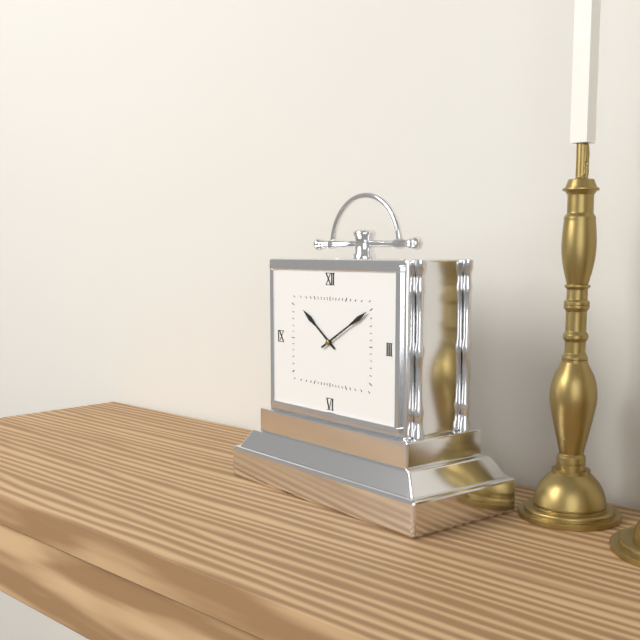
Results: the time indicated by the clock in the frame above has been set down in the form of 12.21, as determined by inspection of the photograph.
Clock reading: 10.10
